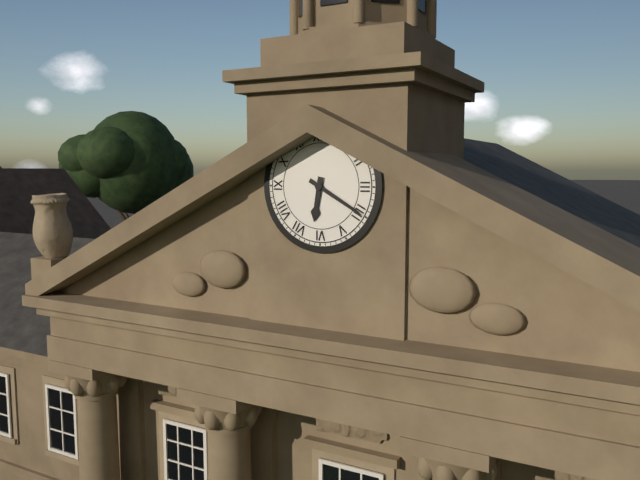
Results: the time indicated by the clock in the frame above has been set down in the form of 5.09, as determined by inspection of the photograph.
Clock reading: 6.20
